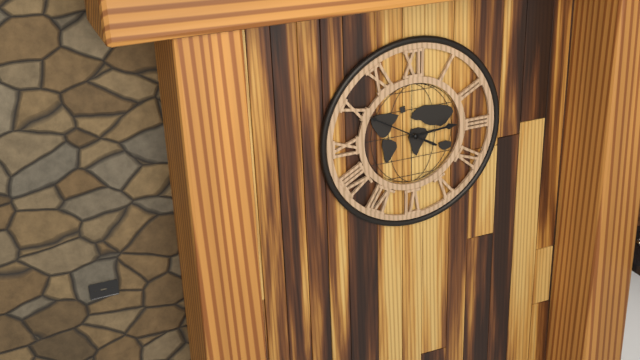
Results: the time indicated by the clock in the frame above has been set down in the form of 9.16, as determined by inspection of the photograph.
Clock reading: 2.50
